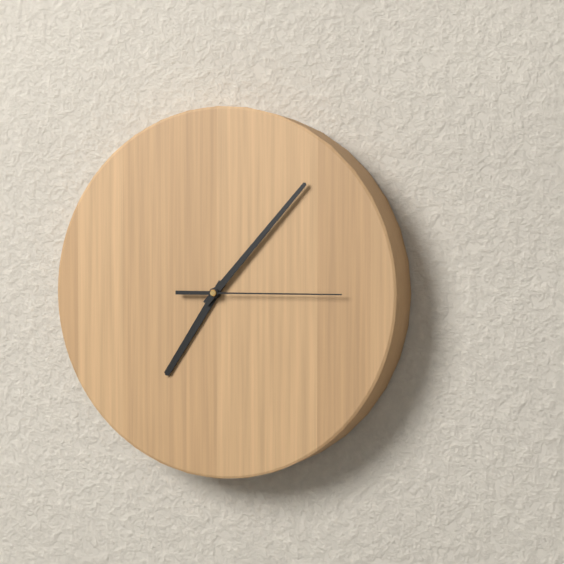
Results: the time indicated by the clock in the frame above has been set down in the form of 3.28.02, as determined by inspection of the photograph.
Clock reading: 7.07.15
